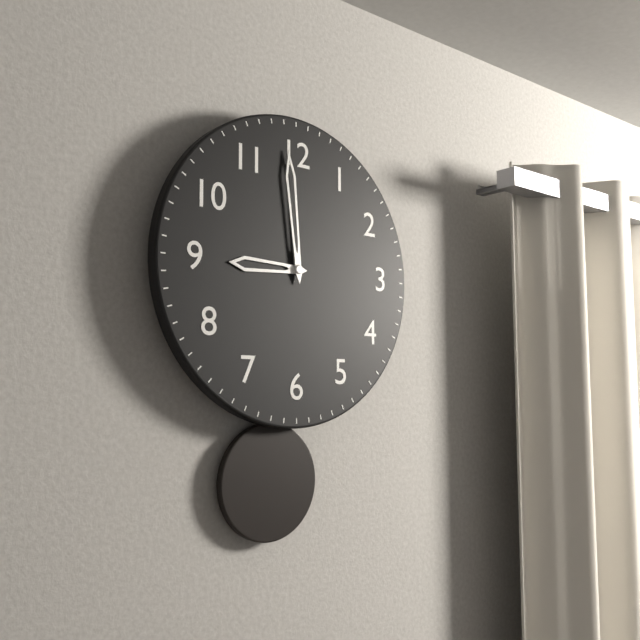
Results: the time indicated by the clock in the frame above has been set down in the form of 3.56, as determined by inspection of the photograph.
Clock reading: 8.59
